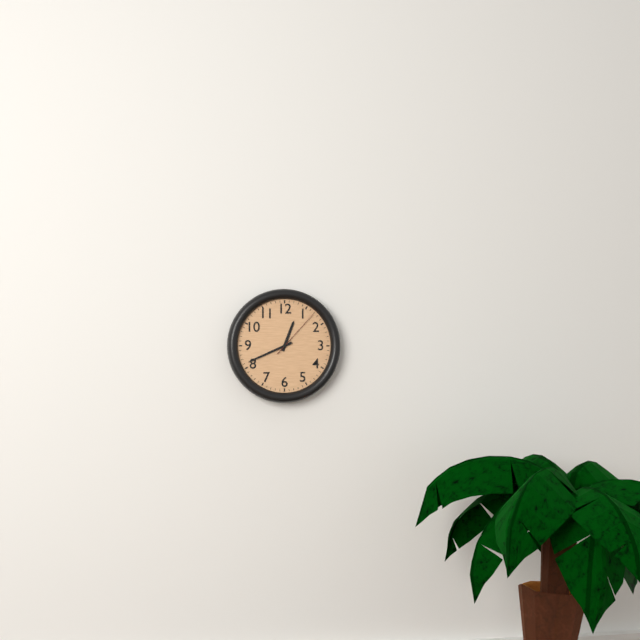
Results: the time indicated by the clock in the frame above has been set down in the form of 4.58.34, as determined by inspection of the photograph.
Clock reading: 12.41.07
